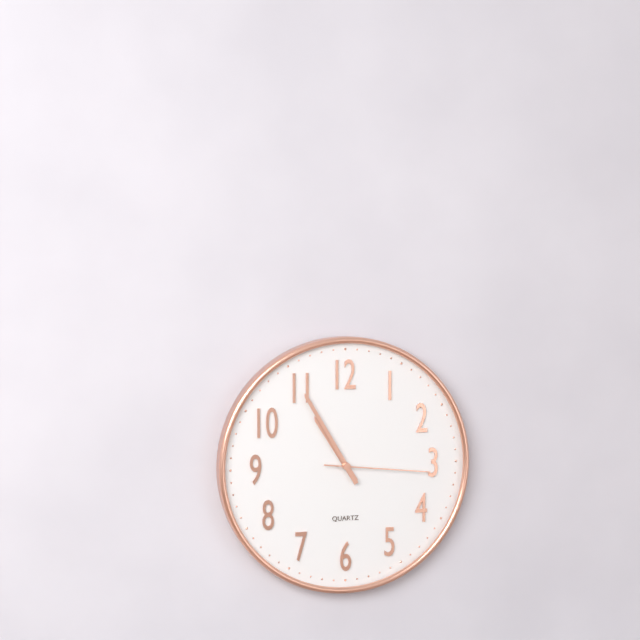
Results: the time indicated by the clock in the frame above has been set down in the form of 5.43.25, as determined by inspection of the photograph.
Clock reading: 10.55.16
